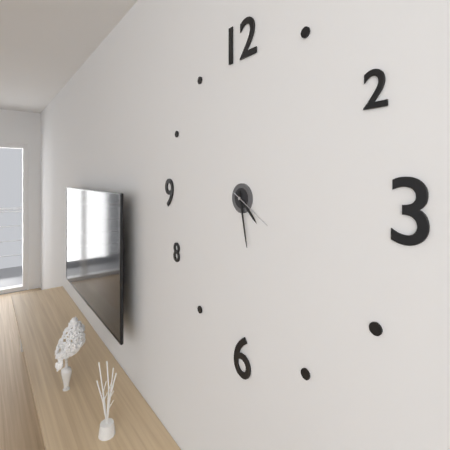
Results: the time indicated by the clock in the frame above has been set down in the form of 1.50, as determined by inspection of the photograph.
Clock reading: 4.28
